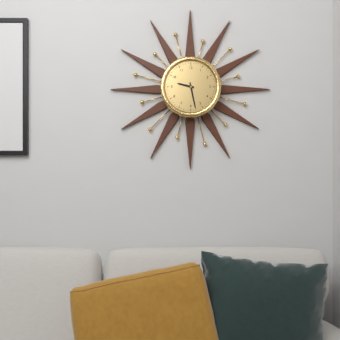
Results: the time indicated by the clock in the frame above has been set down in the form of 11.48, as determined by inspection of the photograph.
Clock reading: 9.28
